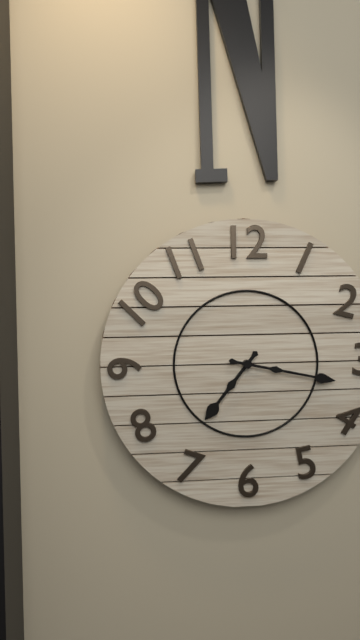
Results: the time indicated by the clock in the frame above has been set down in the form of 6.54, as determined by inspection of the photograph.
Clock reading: 7.17
